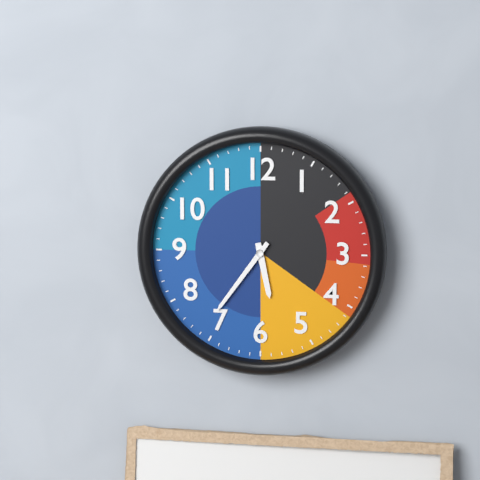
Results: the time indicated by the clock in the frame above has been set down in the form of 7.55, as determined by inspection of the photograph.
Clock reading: 5.36
